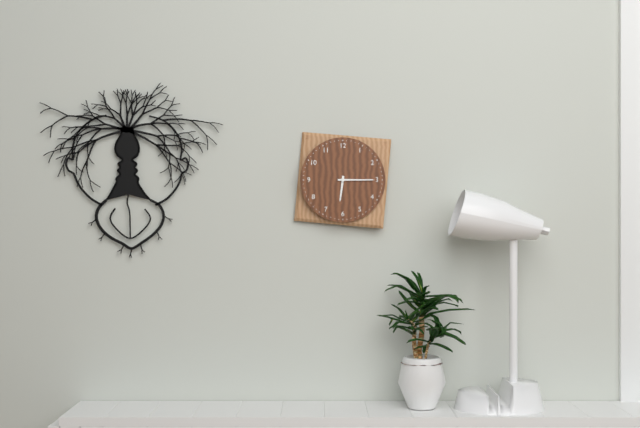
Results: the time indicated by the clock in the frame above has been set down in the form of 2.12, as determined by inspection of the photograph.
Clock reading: 6.15
